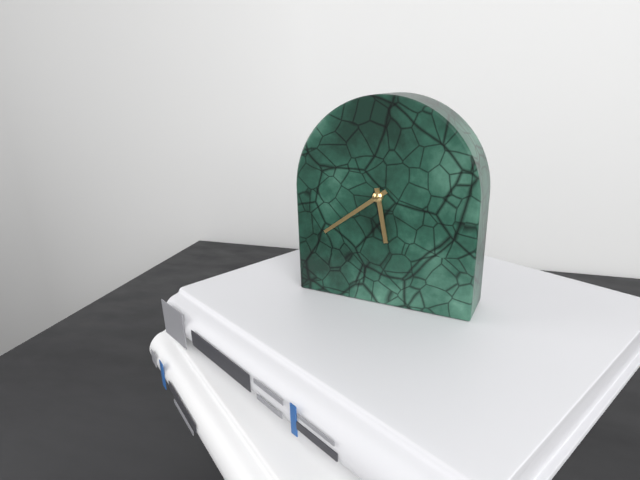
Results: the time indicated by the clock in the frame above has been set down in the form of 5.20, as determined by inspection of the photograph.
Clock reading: 5.39
